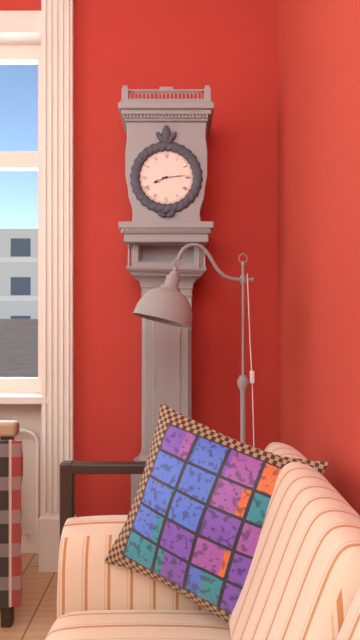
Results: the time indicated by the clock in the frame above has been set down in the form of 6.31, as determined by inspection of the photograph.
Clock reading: 8.14
